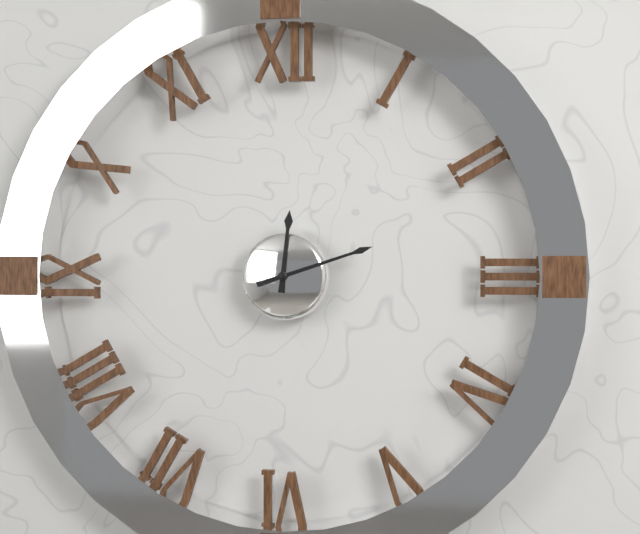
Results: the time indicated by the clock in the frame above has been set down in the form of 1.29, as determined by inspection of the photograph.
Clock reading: 12.12
